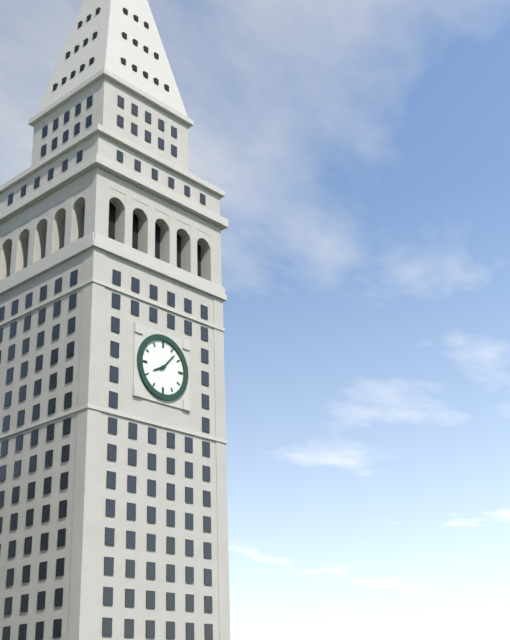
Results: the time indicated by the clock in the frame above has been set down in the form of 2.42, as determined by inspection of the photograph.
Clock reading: 8.07
